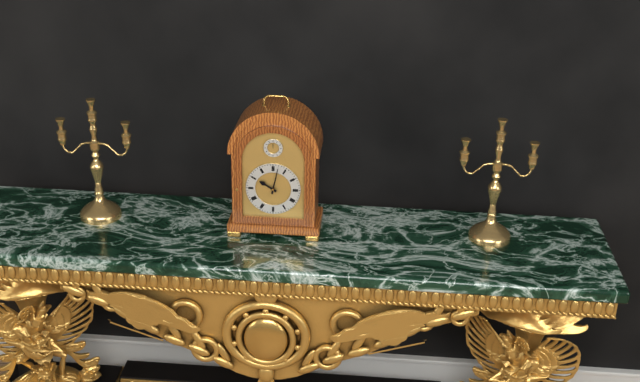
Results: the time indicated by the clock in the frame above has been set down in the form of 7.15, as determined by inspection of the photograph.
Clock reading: 10.02
